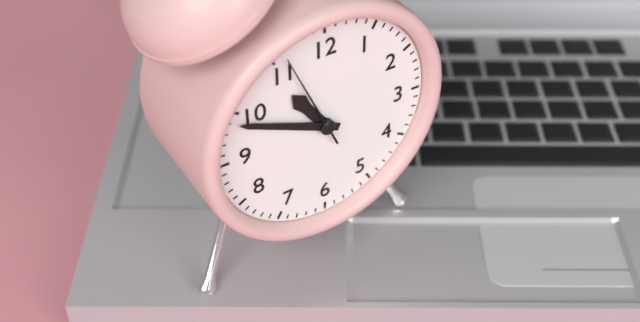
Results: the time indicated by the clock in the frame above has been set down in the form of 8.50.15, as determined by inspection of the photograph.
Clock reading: 10.49.56
